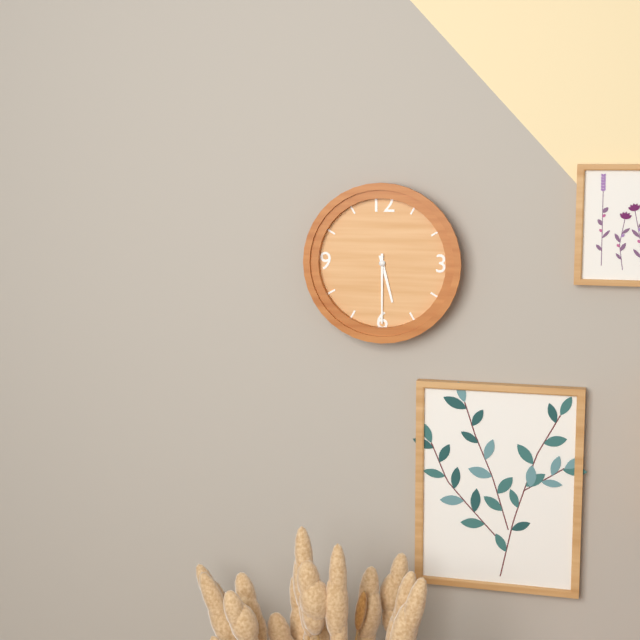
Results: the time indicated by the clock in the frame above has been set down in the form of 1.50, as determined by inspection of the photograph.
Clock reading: 5.30
